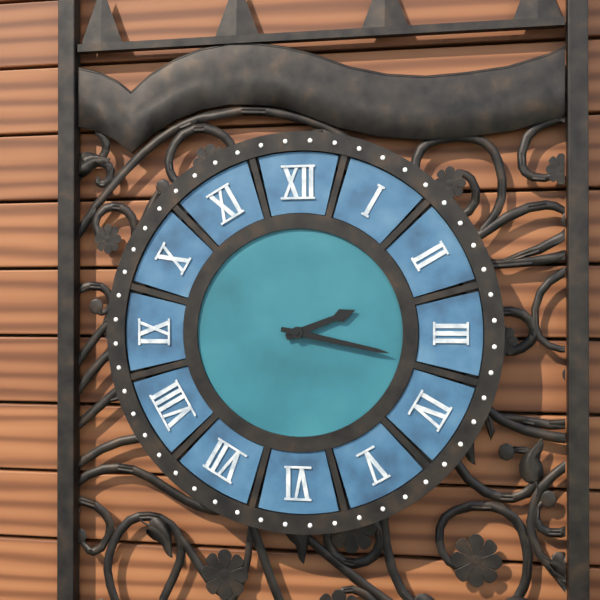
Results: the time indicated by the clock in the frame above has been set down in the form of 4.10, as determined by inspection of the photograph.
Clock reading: 2.17
